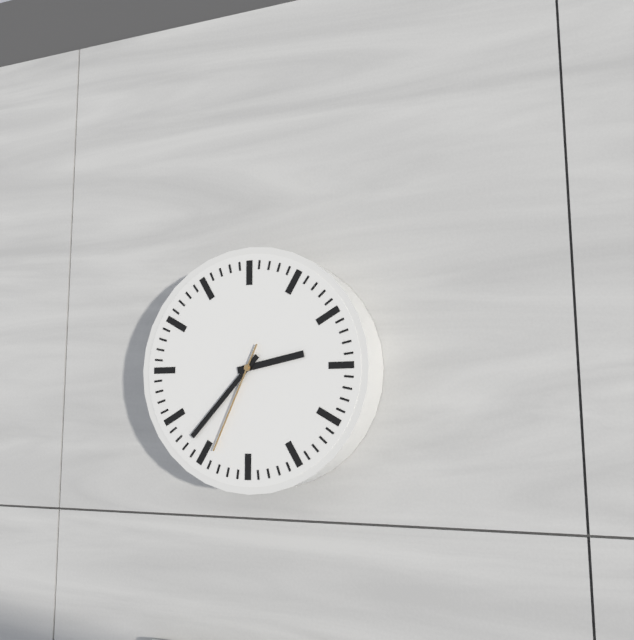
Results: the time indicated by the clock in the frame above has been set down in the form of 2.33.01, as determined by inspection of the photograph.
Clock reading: 2.37.34
